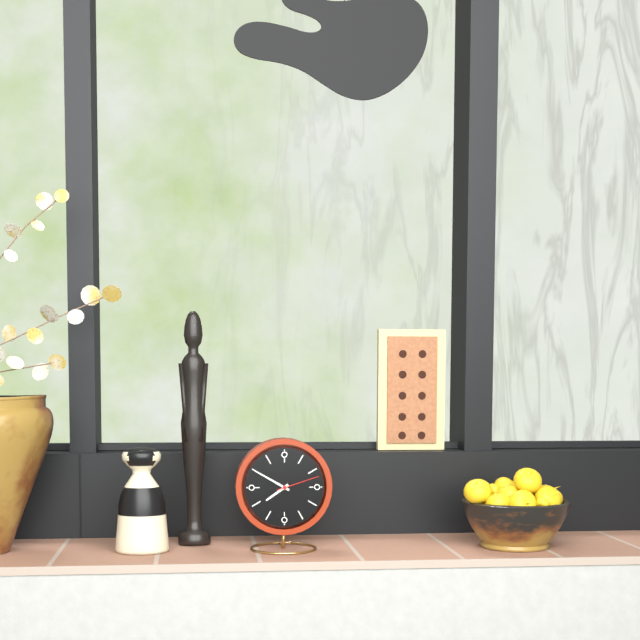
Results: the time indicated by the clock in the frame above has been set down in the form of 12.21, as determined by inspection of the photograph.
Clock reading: 7.50
